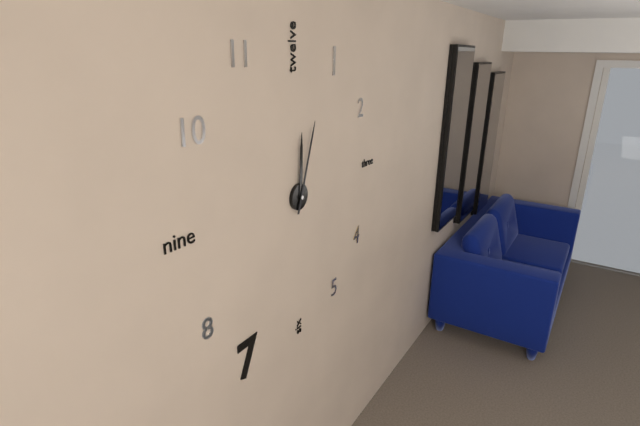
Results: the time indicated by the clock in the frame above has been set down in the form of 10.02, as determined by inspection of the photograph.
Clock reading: 12.03
